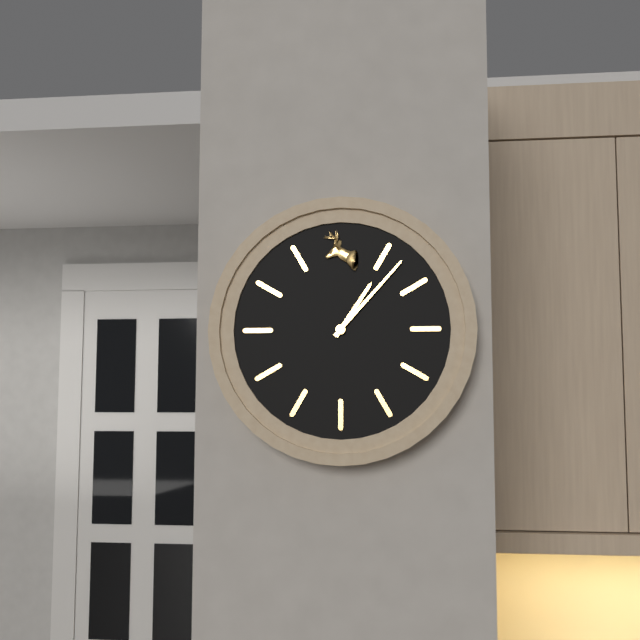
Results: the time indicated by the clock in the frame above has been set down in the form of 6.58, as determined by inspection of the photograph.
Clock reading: 1.07
